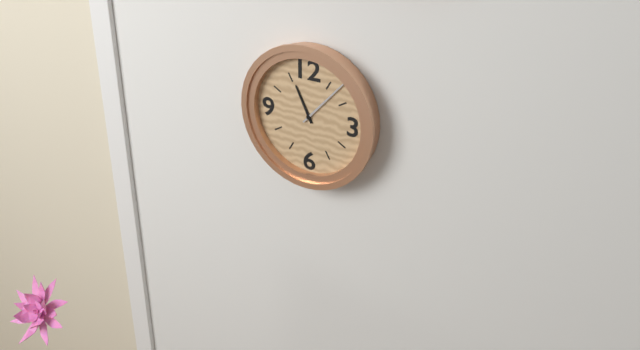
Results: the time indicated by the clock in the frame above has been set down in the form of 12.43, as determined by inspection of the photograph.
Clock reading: 11.07
